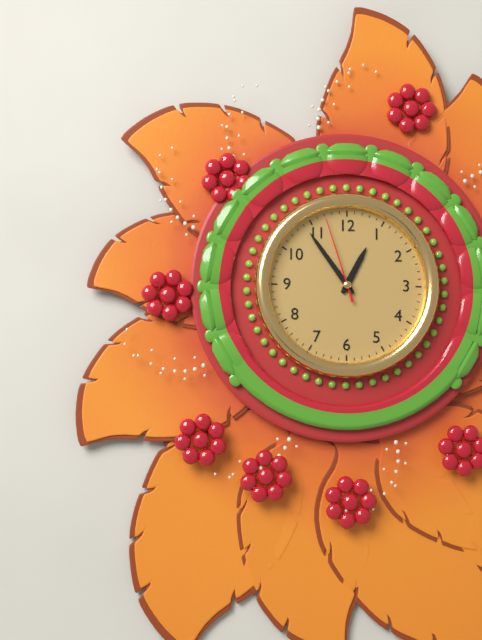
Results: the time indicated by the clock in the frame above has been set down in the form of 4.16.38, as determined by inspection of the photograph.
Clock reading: 12.54.57
